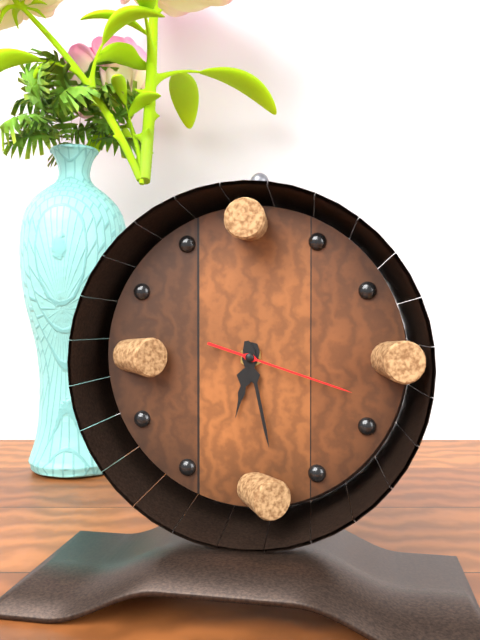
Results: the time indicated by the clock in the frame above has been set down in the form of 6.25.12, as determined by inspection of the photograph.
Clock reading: 6.28.18
